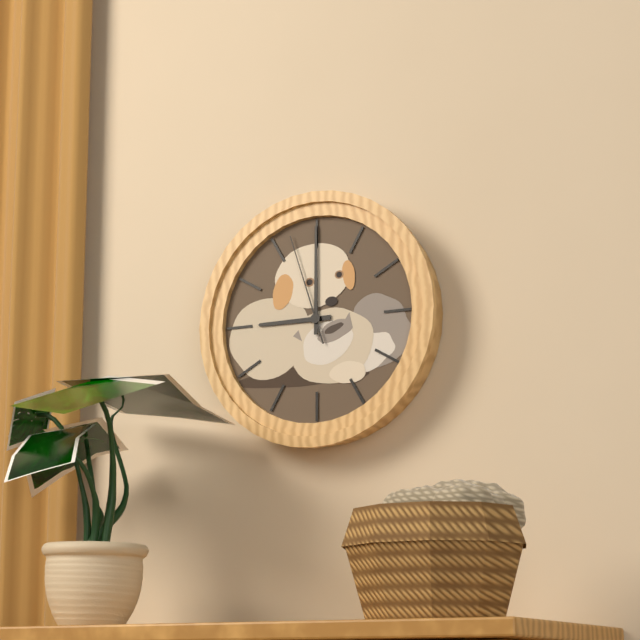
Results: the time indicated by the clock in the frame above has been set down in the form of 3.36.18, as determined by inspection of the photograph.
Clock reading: 9.00.57
